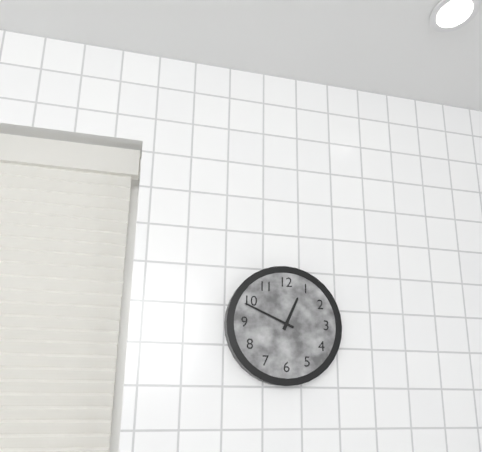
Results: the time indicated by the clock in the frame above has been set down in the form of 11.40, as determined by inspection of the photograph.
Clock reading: 12.49
